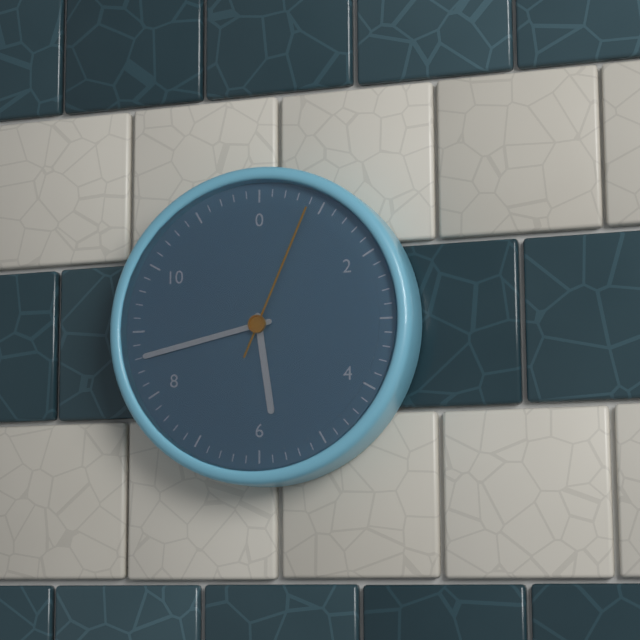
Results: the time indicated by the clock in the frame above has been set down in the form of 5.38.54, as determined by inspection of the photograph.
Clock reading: 5.43.04
